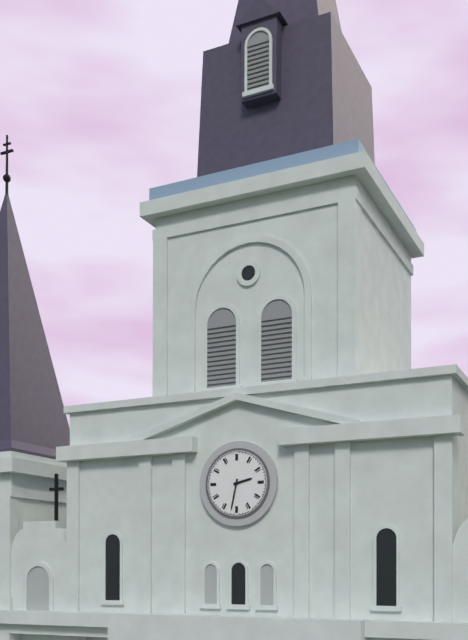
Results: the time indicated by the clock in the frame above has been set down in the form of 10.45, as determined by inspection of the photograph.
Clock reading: 2.32
